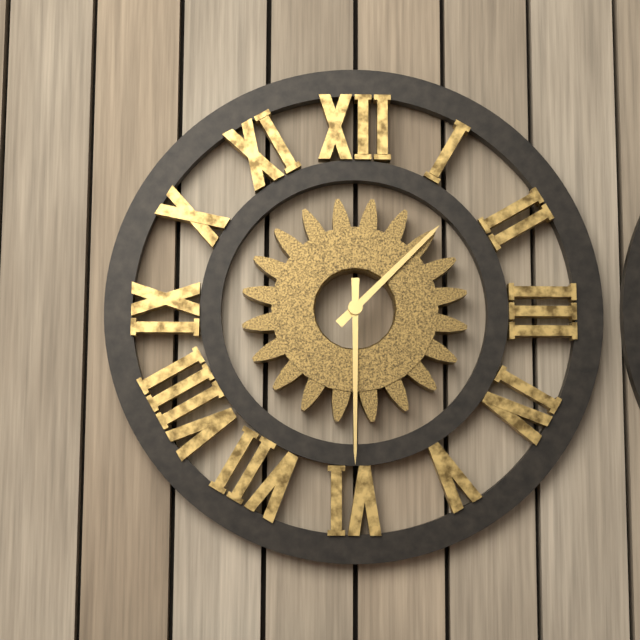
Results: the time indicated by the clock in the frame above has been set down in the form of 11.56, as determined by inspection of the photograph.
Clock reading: 1.30
